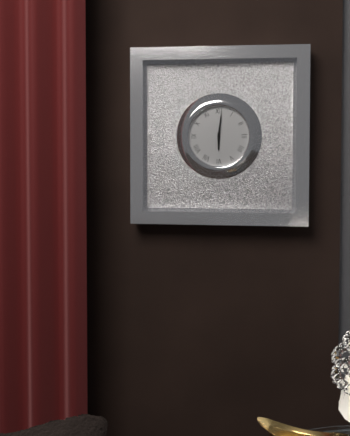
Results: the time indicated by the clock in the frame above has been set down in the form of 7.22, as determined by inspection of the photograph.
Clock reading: 6.01
